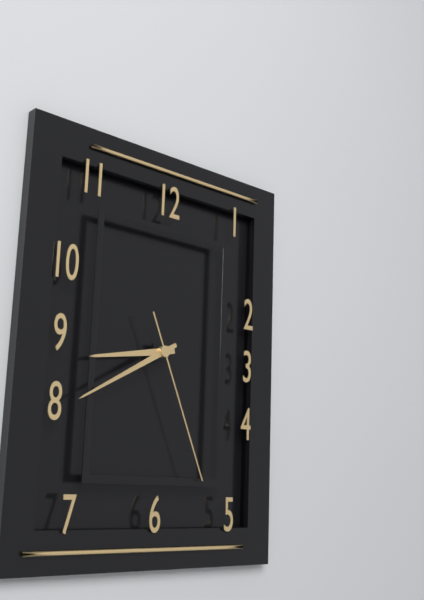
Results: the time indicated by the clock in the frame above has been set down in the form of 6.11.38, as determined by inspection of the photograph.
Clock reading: 8.40.26
